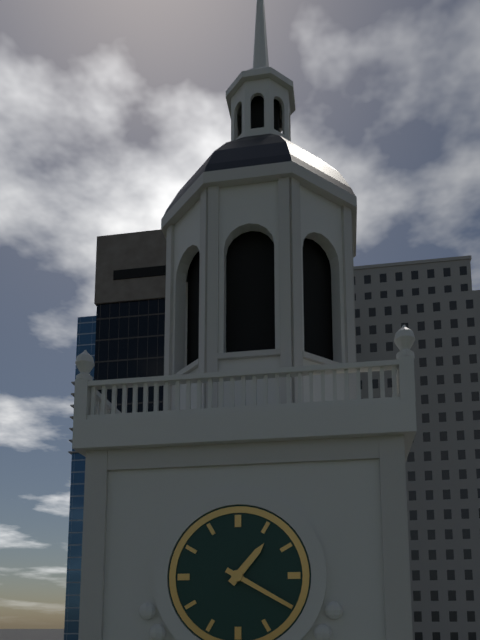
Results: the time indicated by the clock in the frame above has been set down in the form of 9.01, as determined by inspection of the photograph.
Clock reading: 1.20
